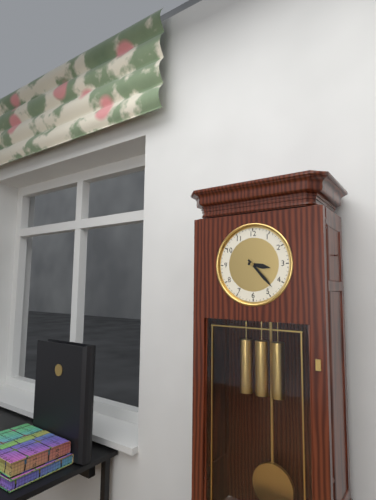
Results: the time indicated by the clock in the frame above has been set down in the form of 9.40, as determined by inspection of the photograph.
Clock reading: 3.23
